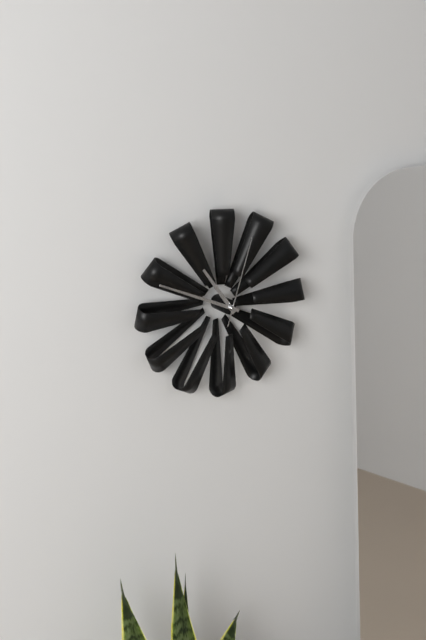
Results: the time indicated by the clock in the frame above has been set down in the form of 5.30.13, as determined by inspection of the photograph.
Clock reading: 10.49.03
